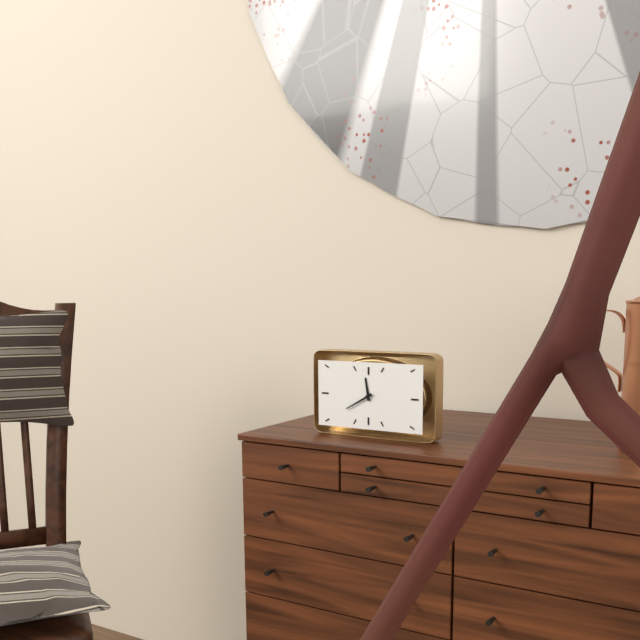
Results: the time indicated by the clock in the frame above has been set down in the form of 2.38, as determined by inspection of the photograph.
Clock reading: 11.40
